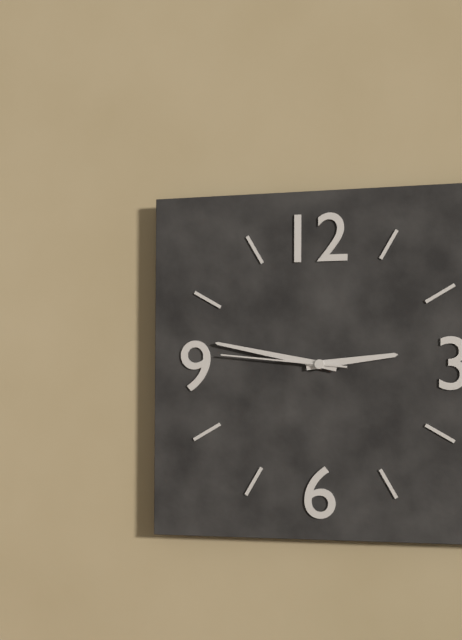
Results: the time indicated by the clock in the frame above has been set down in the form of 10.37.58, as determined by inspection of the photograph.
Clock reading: 2.47.46
